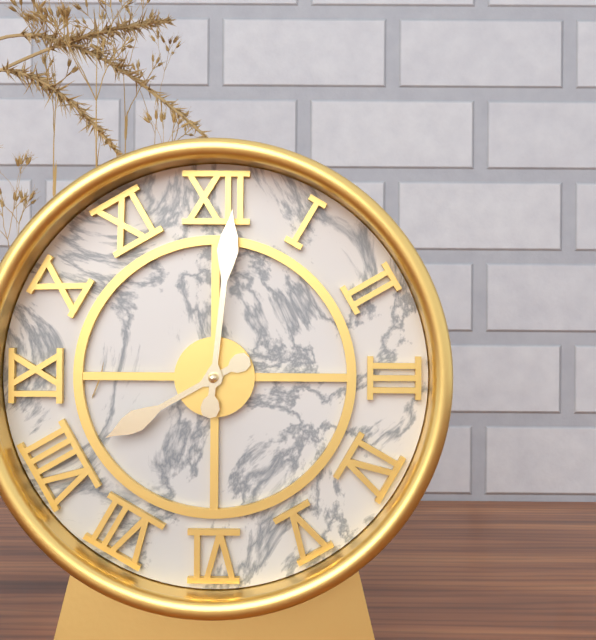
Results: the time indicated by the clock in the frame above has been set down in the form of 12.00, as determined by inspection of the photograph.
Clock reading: 8.01
